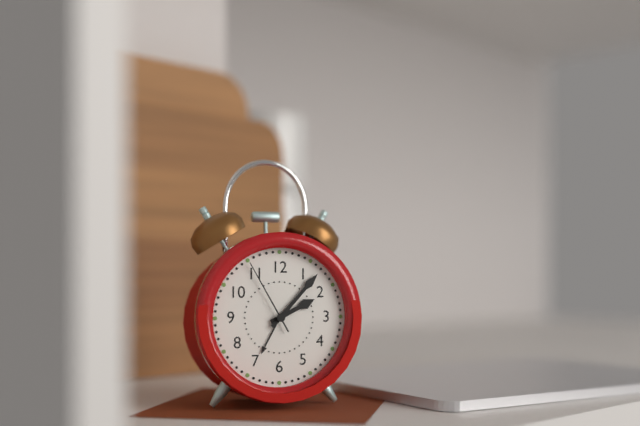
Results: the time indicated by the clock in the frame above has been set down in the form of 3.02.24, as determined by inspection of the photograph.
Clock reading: 2.07.55
